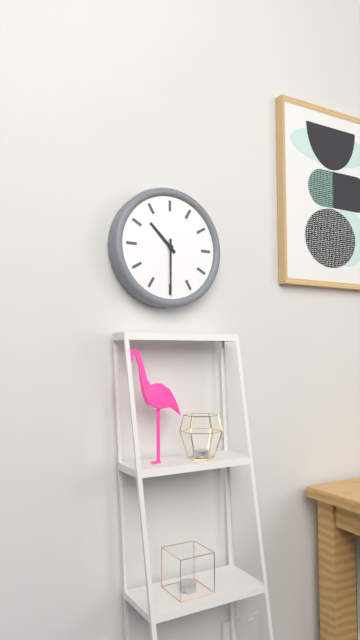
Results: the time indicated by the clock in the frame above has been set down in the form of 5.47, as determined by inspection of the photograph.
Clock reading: 10.30
